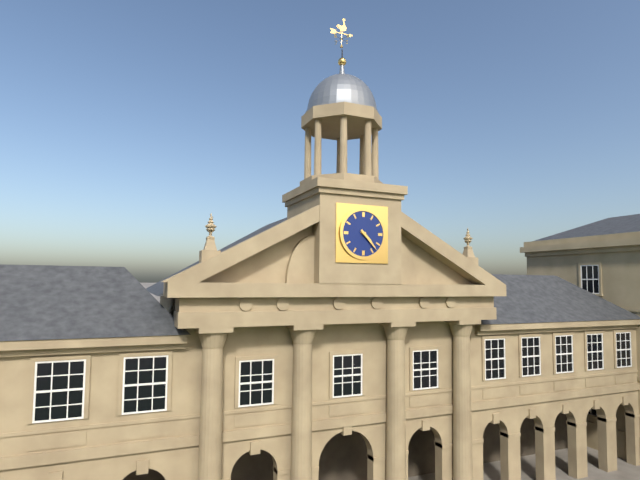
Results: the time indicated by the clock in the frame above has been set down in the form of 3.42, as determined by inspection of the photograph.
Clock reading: 4.23
